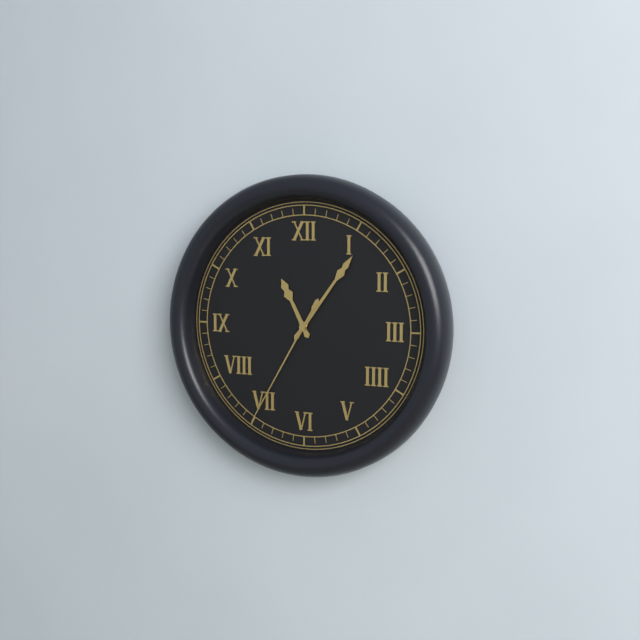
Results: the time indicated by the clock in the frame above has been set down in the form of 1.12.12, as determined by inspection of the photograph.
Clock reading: 11.06.35
